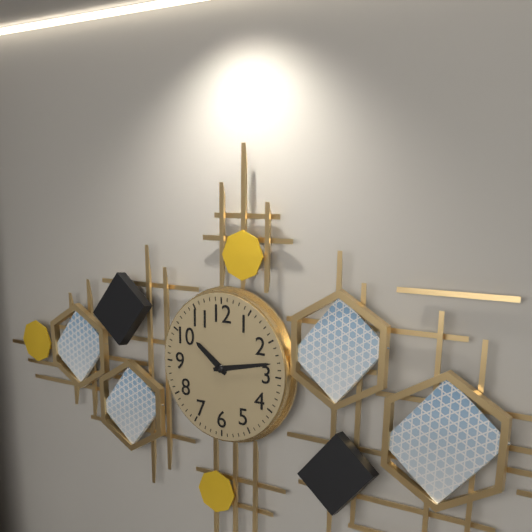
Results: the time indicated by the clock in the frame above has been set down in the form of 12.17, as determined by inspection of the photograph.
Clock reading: 10.13
